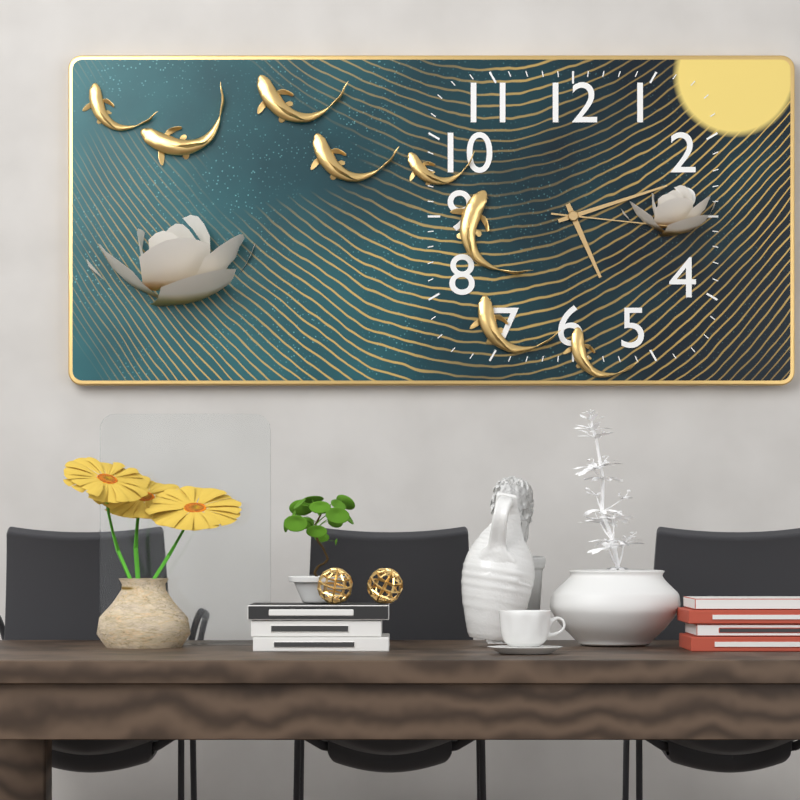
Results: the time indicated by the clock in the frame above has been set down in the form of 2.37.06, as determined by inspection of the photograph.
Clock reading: 5.12.16
